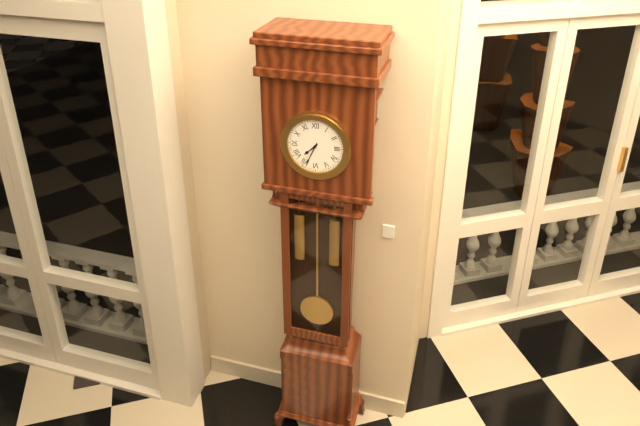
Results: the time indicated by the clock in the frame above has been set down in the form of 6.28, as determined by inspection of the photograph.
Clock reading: 7.34
